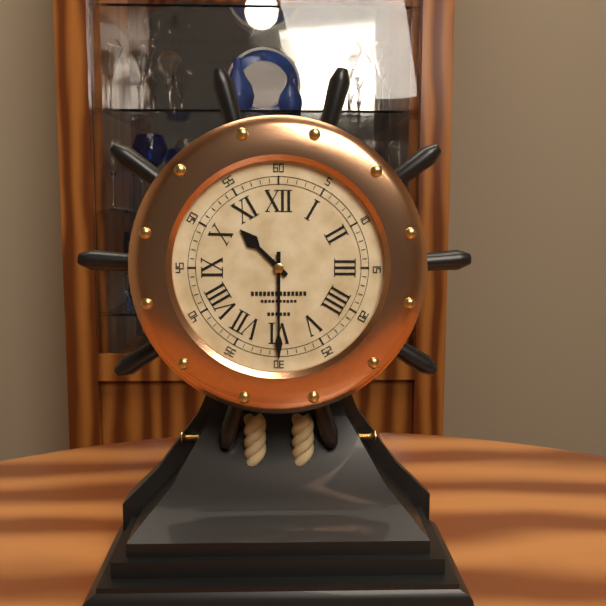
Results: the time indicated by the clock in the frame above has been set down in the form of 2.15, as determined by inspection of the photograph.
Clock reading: 10.30
